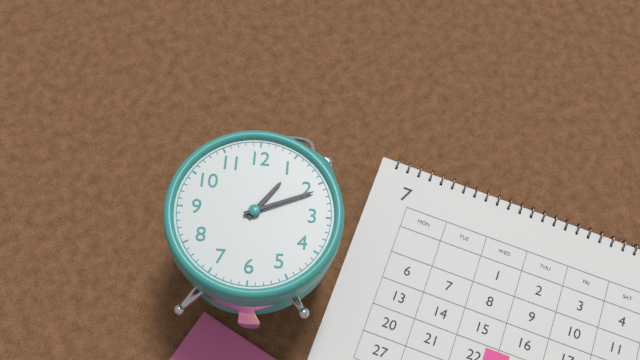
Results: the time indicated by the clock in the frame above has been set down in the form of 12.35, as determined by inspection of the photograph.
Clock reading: 1.11
